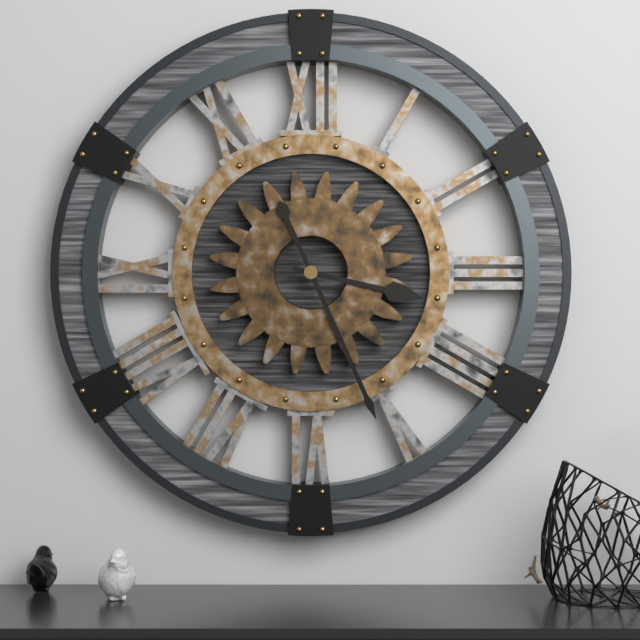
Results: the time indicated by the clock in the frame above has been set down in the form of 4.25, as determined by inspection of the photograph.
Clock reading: 3.26
